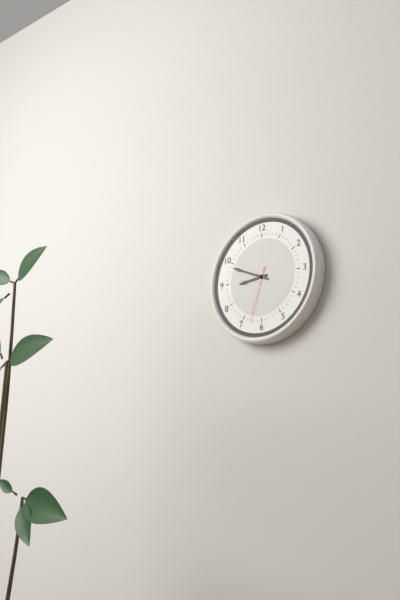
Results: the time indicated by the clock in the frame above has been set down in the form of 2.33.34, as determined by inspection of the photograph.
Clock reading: 8.49.33
